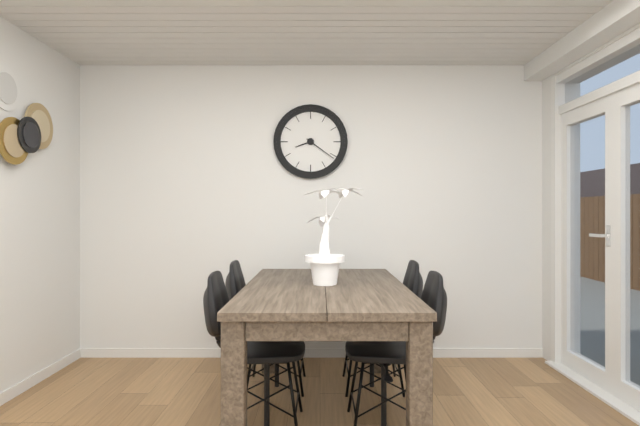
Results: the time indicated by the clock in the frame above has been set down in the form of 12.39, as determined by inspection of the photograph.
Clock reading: 8.21
